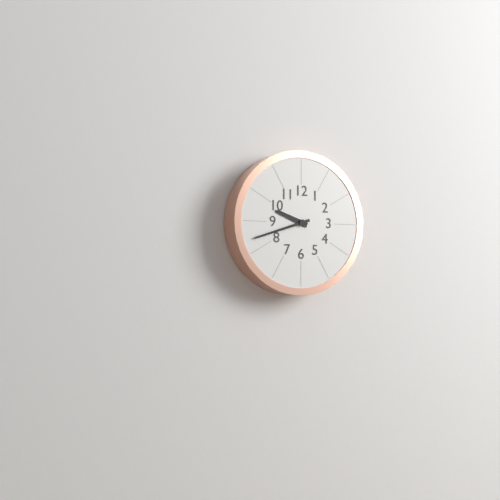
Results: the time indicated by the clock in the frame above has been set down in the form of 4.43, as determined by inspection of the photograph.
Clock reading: 9.42
